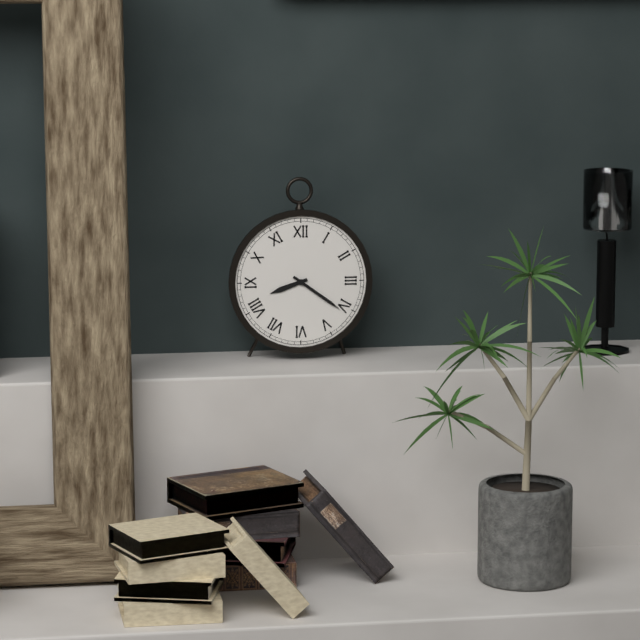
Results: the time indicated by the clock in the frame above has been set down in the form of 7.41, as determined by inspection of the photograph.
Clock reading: 8.21
